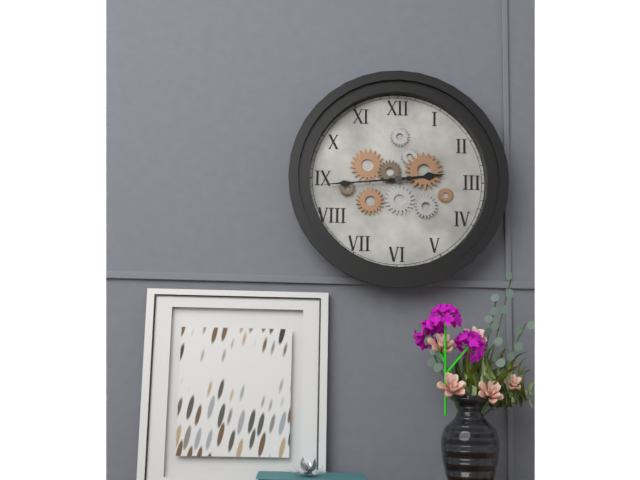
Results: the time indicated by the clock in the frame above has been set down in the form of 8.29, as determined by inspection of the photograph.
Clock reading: 2.44
